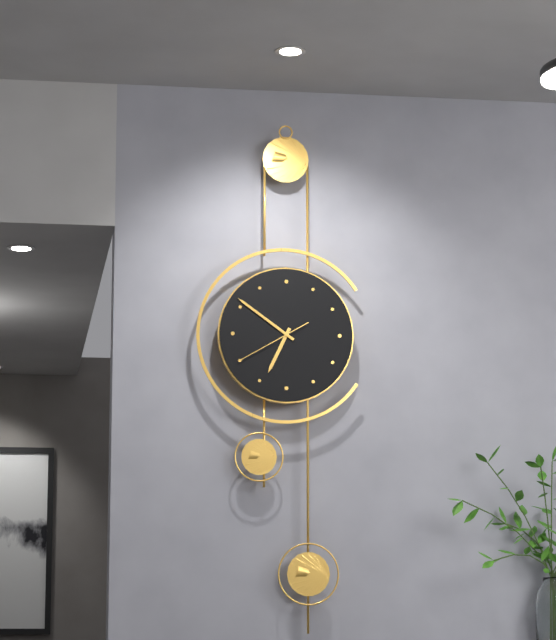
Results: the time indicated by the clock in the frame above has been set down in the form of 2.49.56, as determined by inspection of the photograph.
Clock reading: 6.51.40
